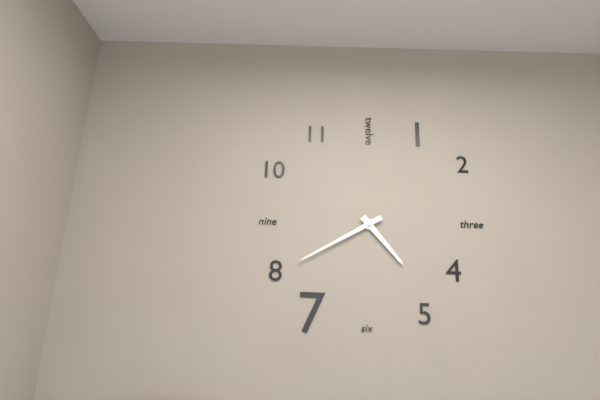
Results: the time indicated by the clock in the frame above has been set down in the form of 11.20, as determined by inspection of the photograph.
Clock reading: 4.40
